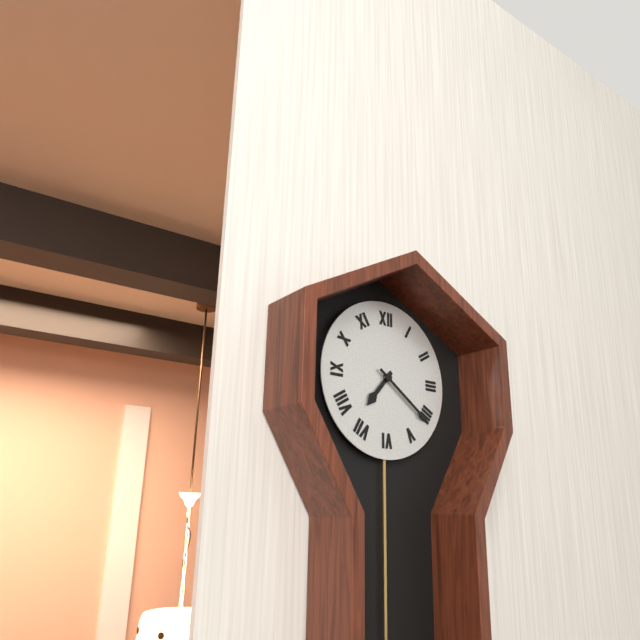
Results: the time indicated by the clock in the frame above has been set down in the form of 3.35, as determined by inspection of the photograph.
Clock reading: 7.21
